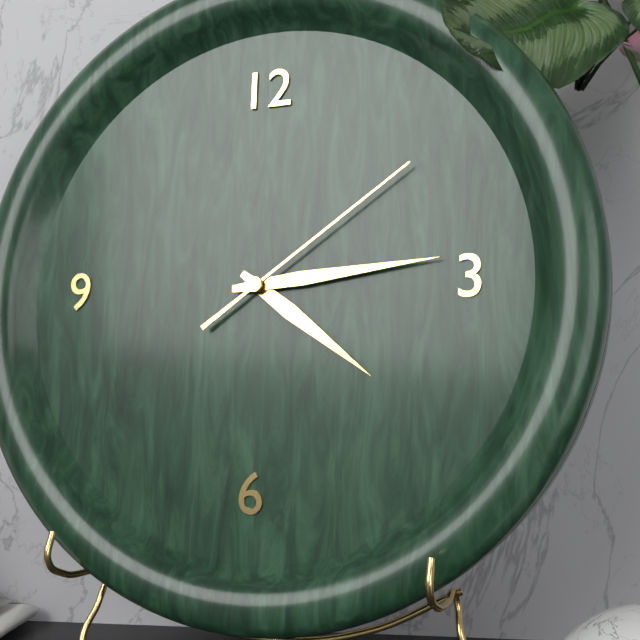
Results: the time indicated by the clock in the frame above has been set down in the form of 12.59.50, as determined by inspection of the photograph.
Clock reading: 4.14.09
